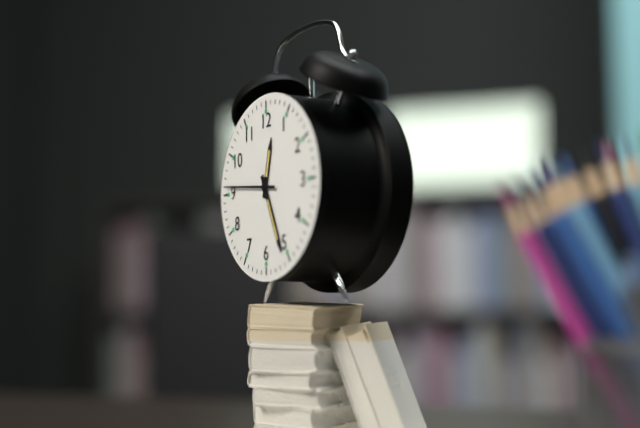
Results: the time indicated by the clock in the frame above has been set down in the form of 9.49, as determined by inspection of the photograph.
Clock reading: 12.26
